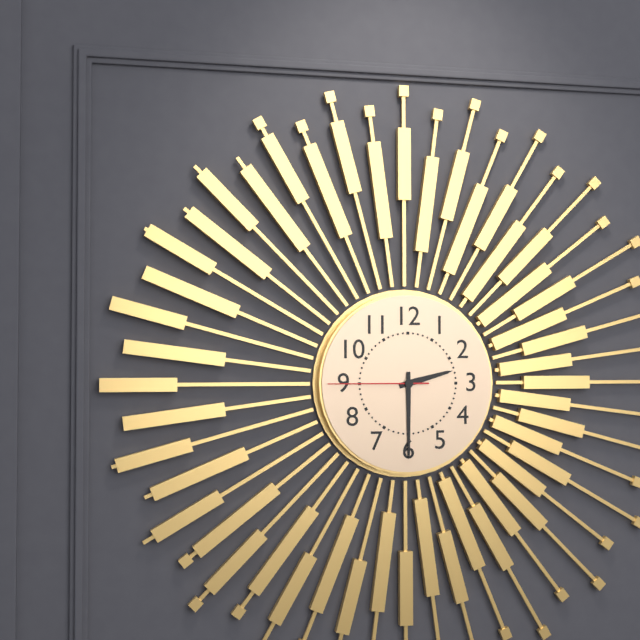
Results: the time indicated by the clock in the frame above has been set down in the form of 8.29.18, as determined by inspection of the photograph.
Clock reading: 2.30.45
